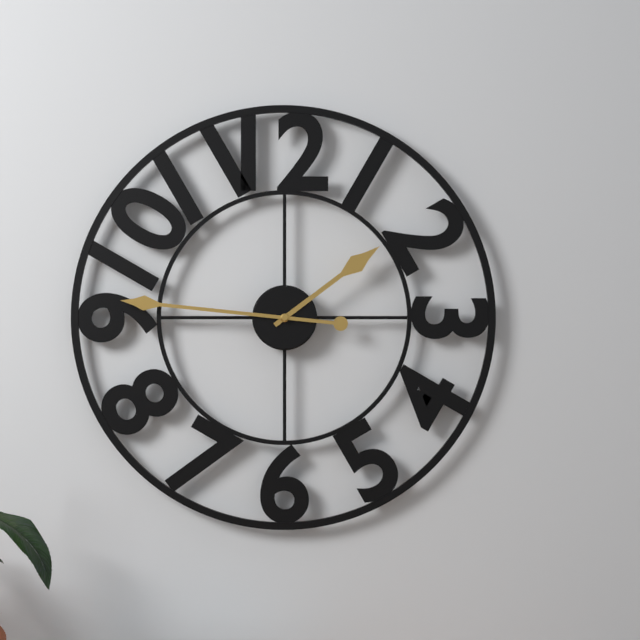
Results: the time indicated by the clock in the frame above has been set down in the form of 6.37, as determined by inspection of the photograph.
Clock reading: 1.46
